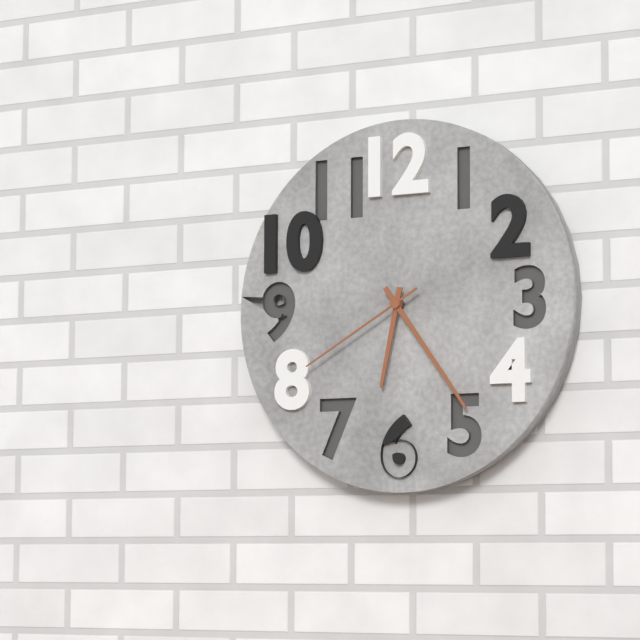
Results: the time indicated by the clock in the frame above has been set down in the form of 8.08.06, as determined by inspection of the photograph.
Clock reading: 6.24.40
